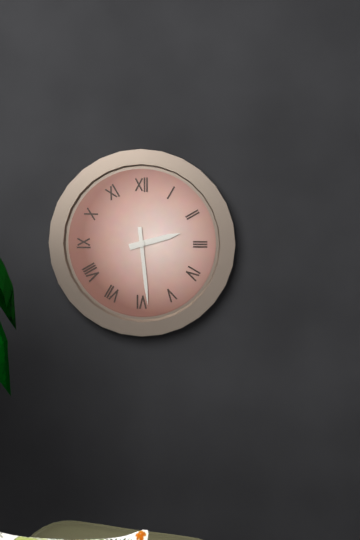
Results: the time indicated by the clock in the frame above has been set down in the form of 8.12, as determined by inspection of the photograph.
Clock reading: 2.29
